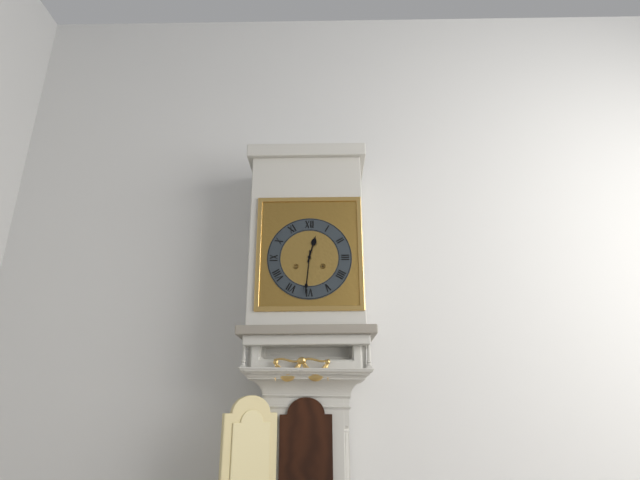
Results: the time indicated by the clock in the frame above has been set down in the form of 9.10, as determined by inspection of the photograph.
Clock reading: 12.31
